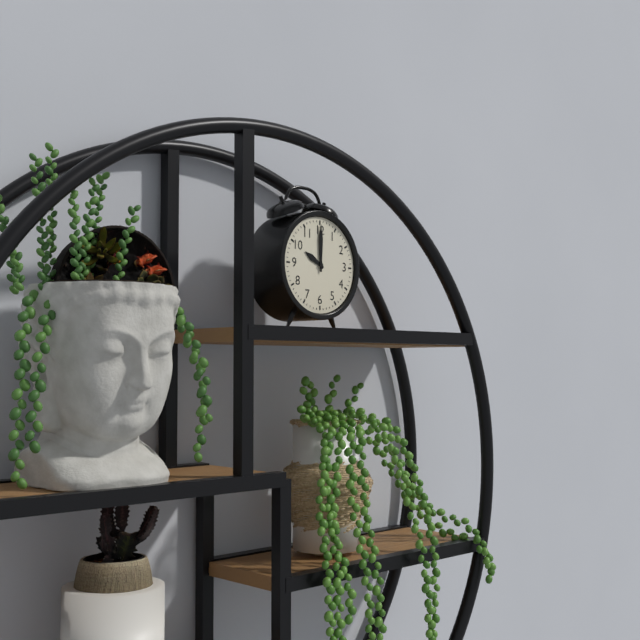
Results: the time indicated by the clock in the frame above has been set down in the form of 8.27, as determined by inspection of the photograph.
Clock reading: 10.00
